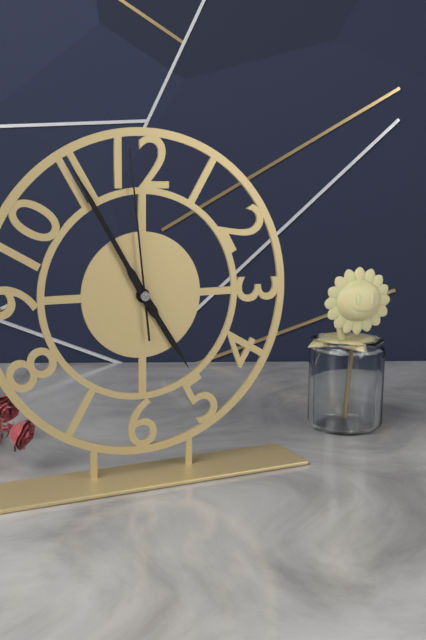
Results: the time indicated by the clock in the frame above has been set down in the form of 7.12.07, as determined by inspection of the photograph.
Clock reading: 4.55.59
